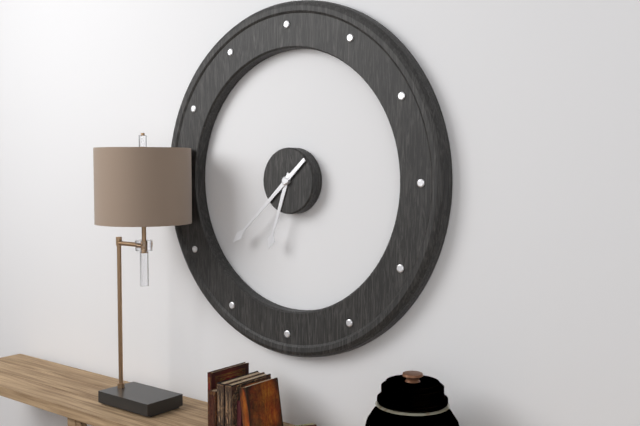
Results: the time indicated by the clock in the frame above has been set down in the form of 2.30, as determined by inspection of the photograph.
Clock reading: 6.38
